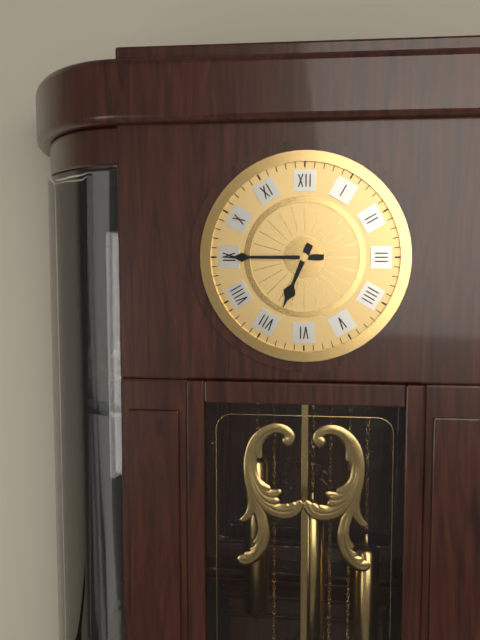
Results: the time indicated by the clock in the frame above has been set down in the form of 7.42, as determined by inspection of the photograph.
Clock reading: 6.45
